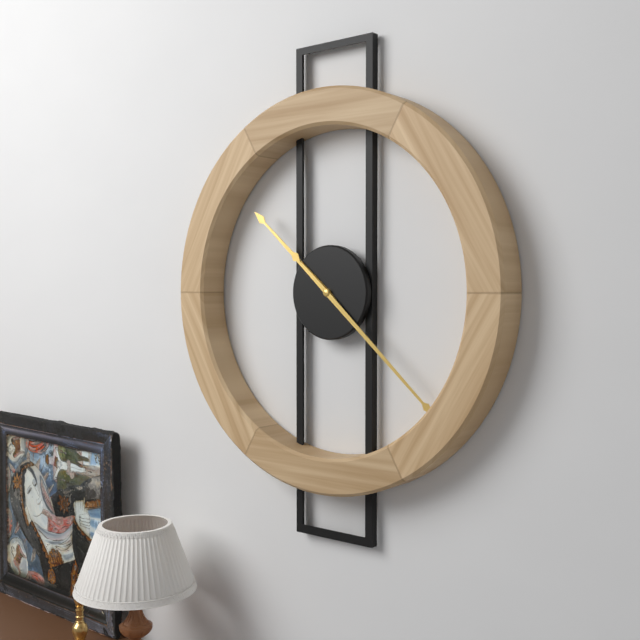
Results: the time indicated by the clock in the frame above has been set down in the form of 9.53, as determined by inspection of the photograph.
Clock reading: 10.22
